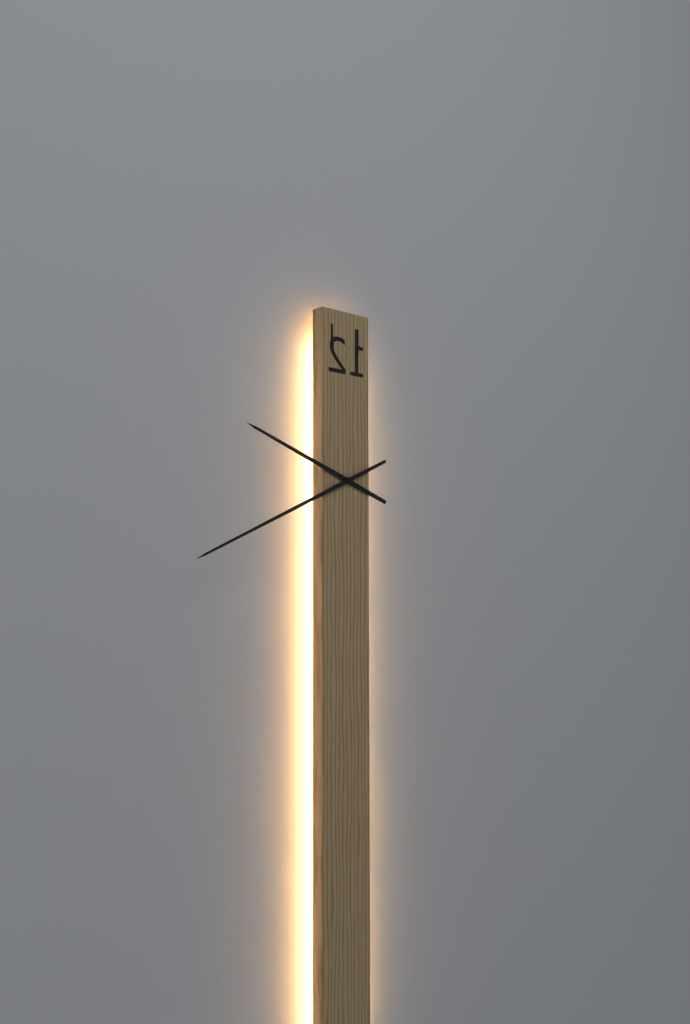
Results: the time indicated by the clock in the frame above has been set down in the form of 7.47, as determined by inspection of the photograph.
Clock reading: 9.41
